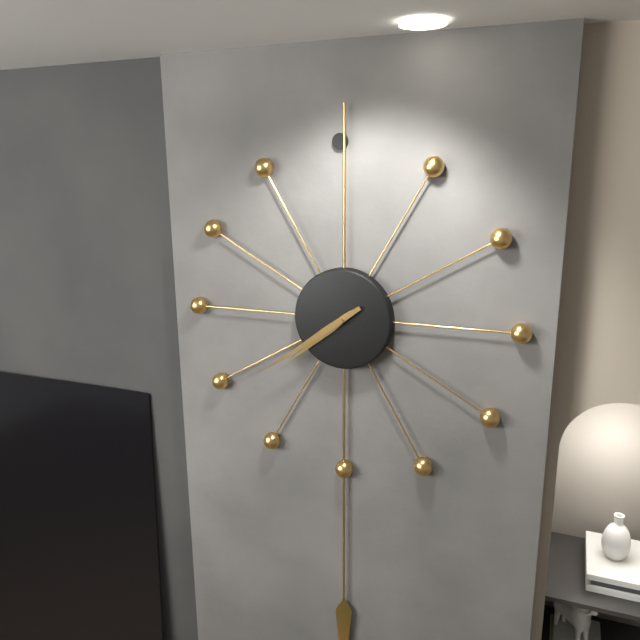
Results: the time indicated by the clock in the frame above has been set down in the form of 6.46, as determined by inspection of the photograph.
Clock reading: 7.39
